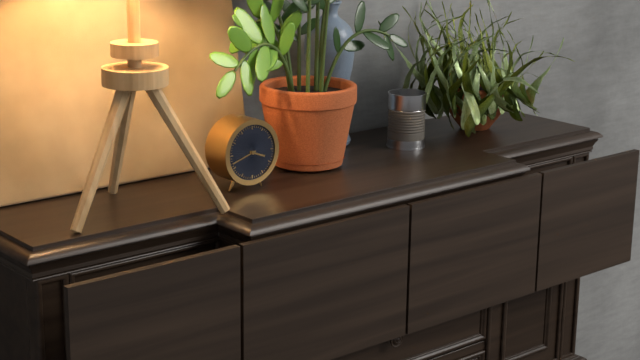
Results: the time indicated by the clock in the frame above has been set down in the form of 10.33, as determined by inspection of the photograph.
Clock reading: 3.42
